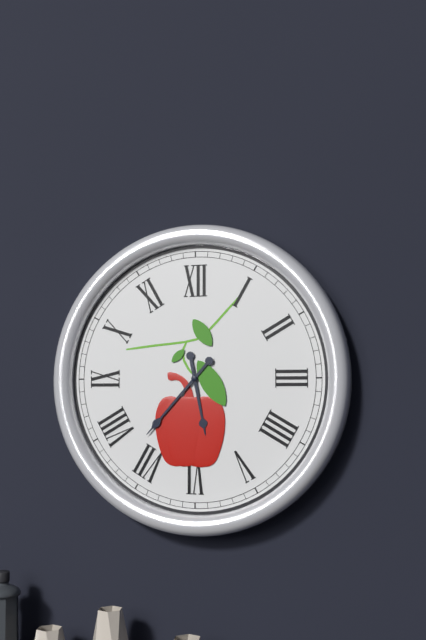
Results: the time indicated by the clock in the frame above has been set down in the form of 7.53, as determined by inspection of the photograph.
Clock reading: 5.37
